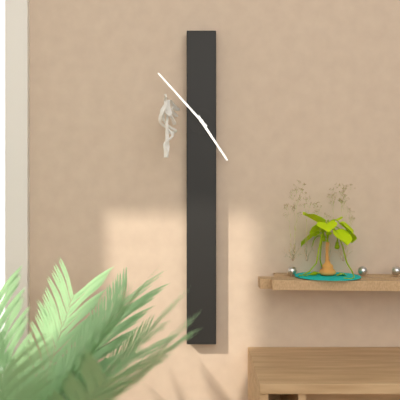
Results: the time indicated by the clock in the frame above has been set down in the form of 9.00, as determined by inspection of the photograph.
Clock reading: 4.53
